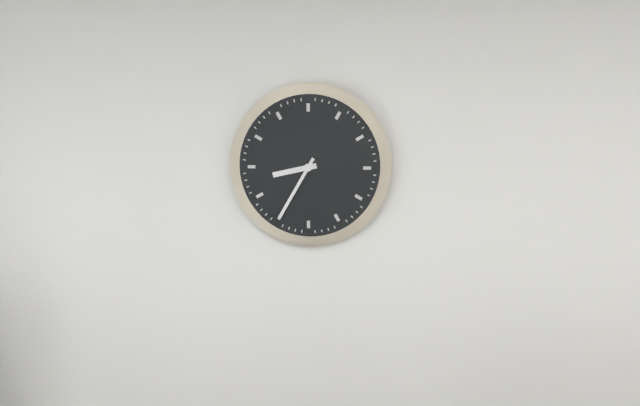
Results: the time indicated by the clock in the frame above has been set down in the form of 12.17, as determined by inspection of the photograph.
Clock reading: 8.35
